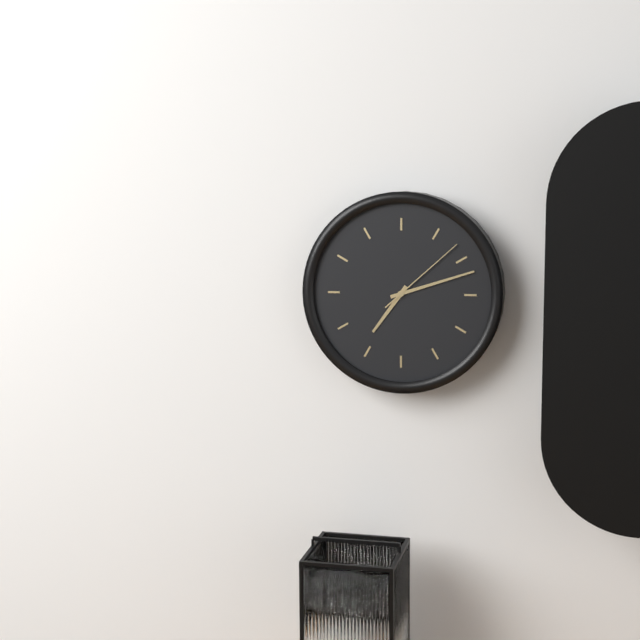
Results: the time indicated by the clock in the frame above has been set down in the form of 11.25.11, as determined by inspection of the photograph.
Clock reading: 7.12.08
